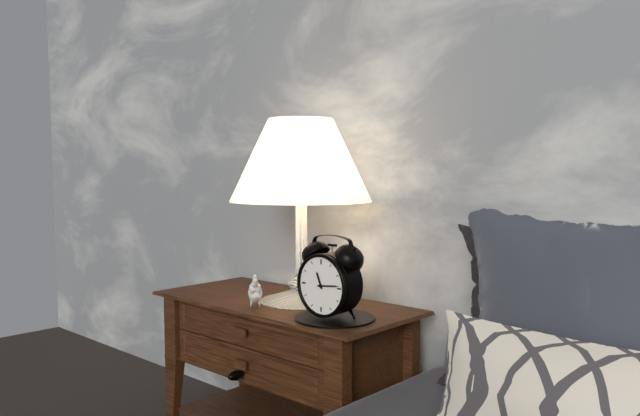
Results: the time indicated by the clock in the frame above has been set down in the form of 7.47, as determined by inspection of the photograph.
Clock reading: 11.14
